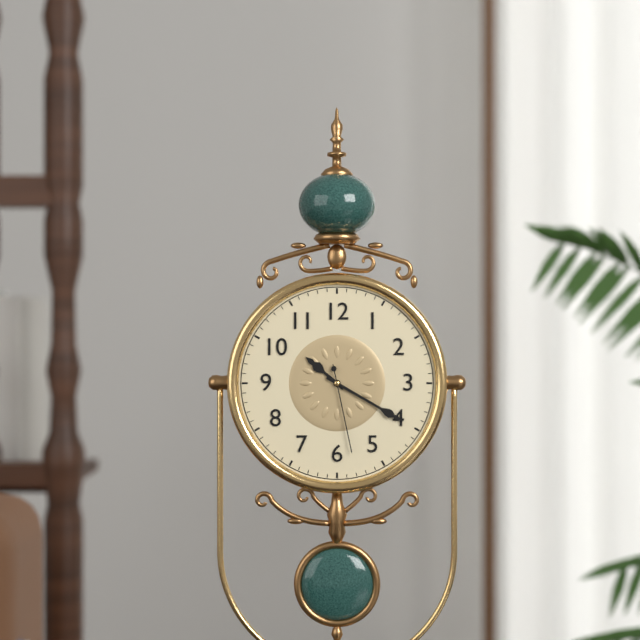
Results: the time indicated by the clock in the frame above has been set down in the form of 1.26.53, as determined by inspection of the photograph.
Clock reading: 10.20.28
